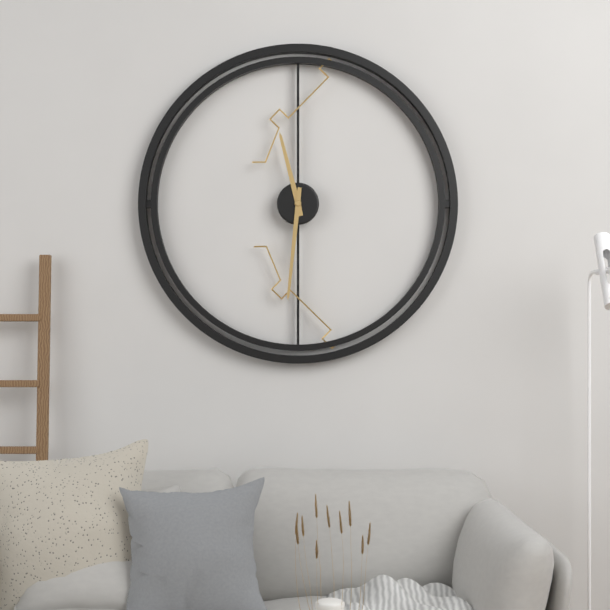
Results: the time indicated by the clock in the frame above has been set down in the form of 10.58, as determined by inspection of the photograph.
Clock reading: 11.31
